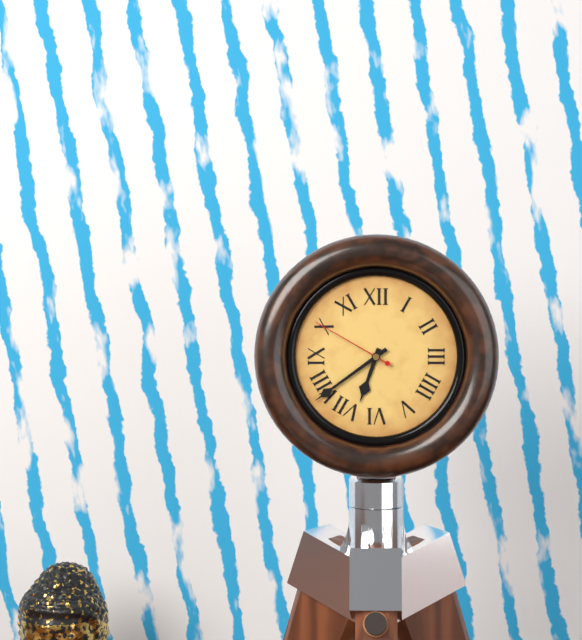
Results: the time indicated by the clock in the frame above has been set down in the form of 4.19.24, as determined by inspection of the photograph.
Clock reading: 6.39.50
